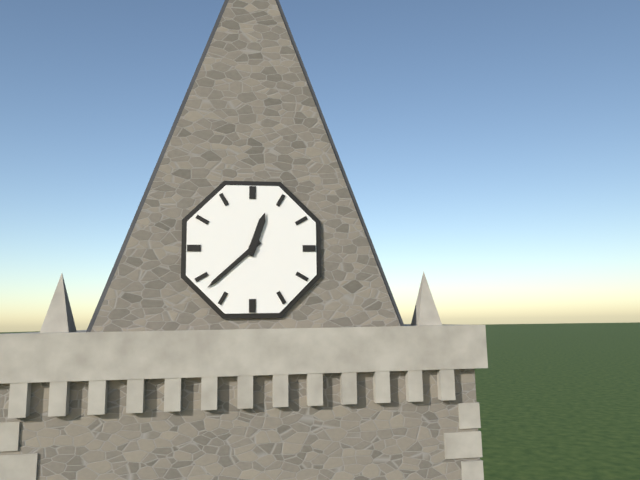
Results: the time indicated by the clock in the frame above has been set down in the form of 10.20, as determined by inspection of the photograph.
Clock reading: 12.38
